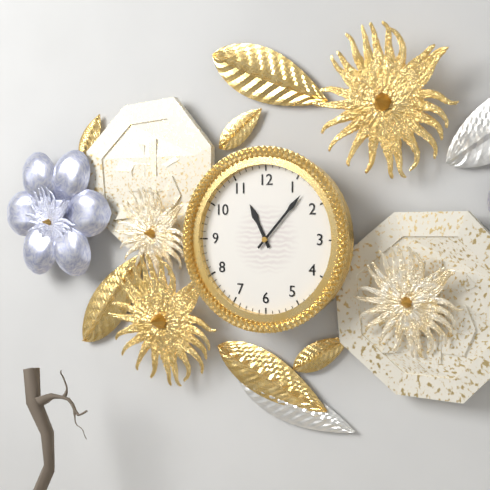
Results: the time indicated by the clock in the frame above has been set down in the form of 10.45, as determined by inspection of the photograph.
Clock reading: 11.07
